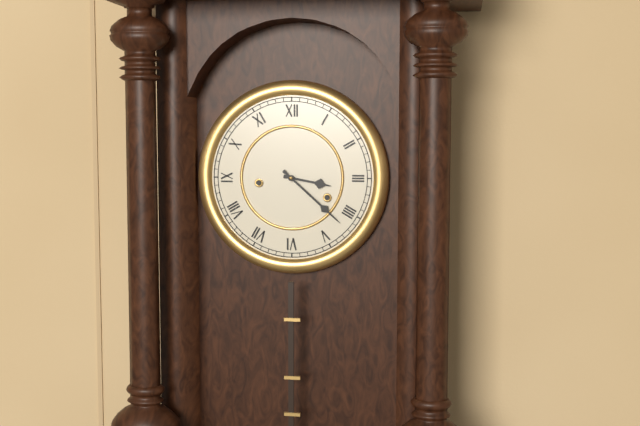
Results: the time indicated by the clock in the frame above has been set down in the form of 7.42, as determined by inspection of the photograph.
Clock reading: 3.22
